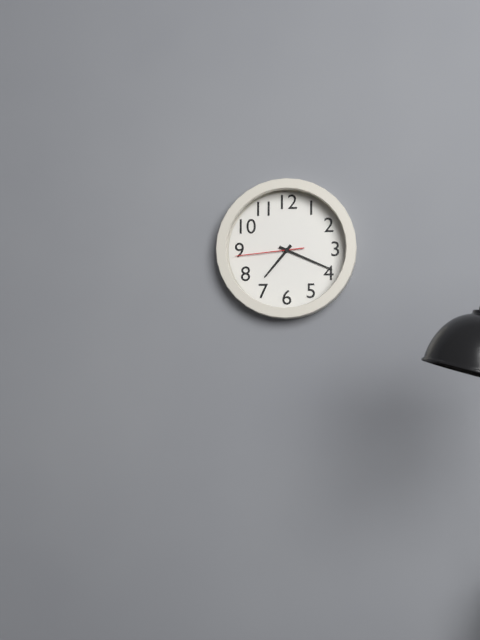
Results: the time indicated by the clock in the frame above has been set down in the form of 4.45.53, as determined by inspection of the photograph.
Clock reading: 7.19.44
